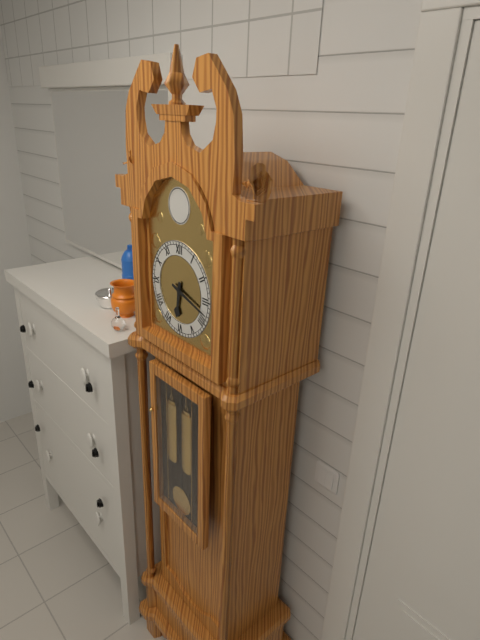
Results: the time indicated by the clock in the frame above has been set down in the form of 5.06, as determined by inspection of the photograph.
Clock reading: 6.18
